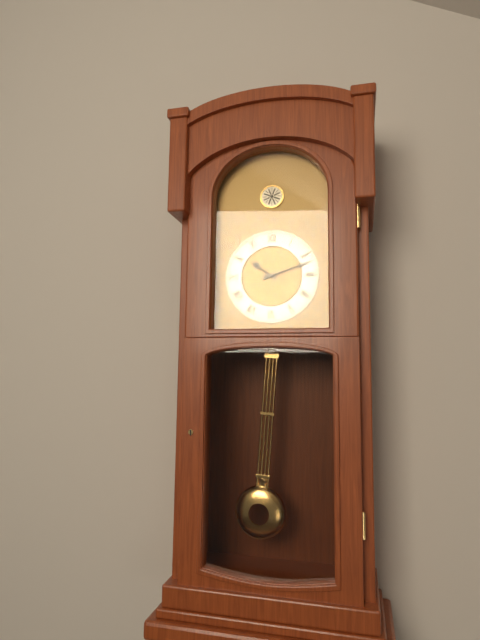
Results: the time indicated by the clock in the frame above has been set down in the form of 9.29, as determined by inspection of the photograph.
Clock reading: 10.12
